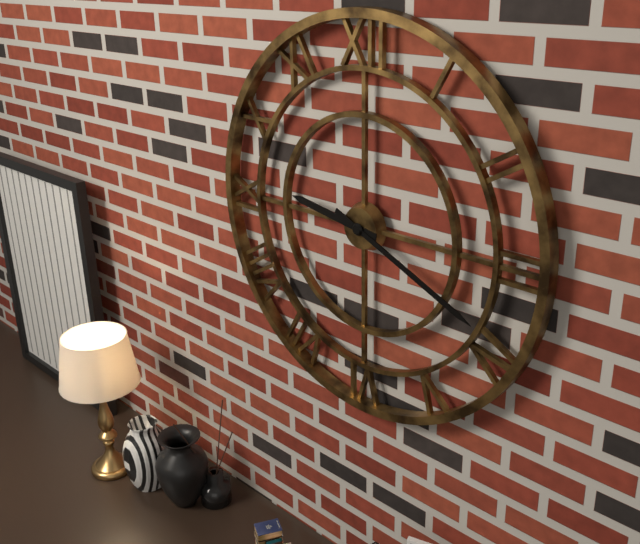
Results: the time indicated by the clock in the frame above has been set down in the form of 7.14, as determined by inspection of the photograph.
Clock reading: 9.19
